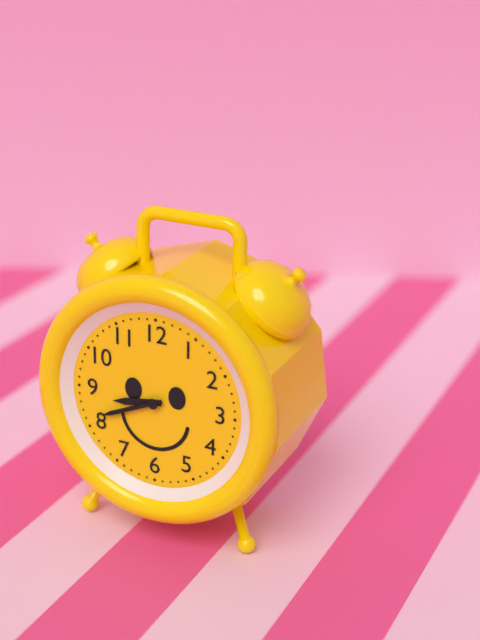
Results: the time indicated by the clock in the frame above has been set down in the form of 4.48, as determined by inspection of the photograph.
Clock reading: 8.41
